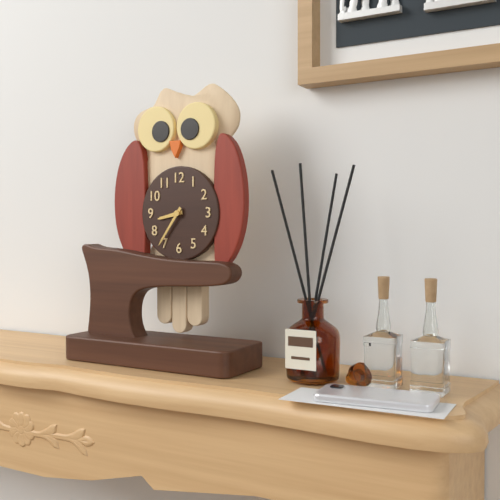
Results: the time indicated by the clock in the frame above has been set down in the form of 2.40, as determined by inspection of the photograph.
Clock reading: 8.36
